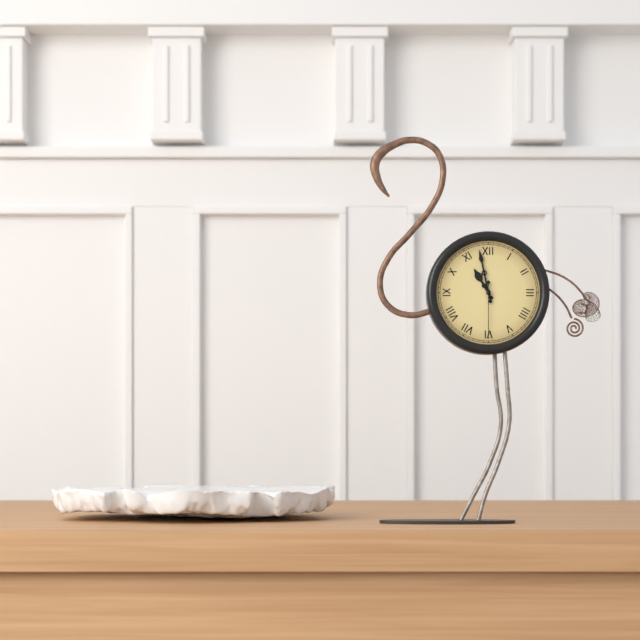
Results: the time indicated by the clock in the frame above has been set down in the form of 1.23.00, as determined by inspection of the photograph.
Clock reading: 10.58.30
